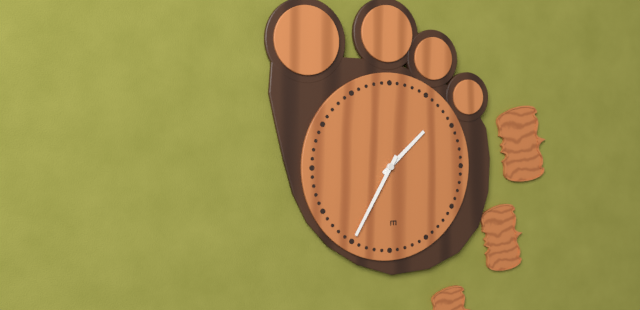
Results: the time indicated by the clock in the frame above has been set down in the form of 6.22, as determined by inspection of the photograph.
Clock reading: 1.35
